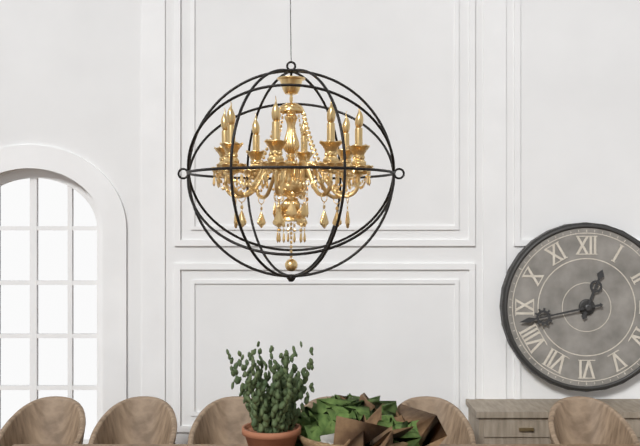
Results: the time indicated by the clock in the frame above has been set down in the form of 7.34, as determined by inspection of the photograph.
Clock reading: 12.43
